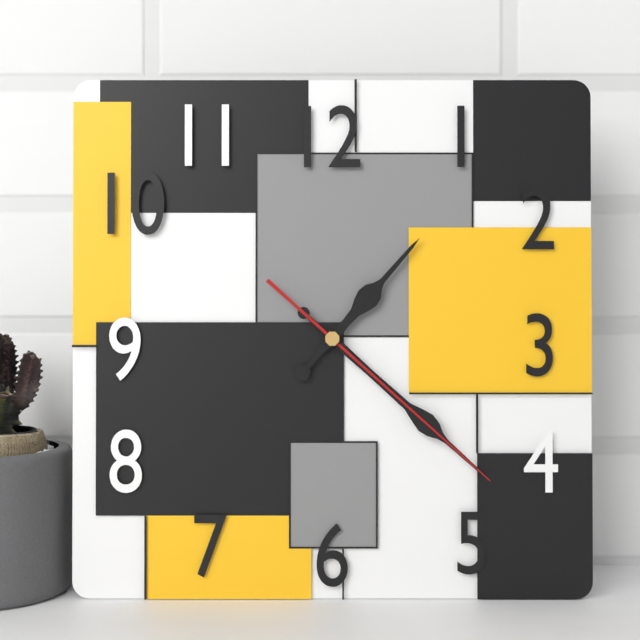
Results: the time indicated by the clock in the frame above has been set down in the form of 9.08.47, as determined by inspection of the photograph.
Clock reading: 1.22.22
